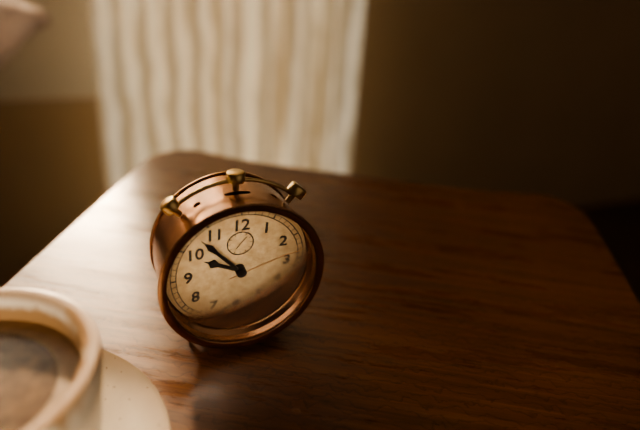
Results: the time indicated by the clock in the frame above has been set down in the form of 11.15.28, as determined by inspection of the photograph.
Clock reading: 9.53.12
